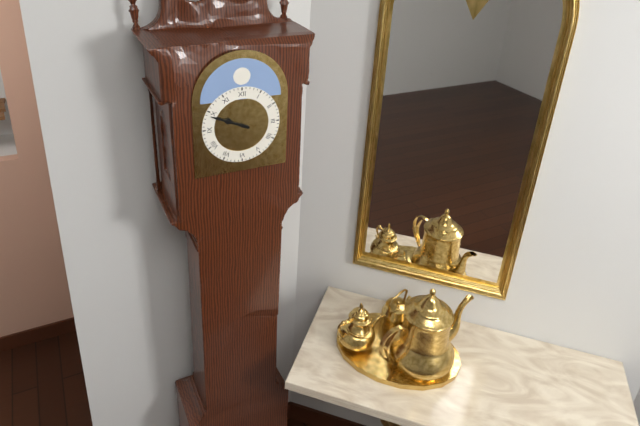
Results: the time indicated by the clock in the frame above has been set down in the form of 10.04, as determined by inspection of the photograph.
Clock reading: 9.49
